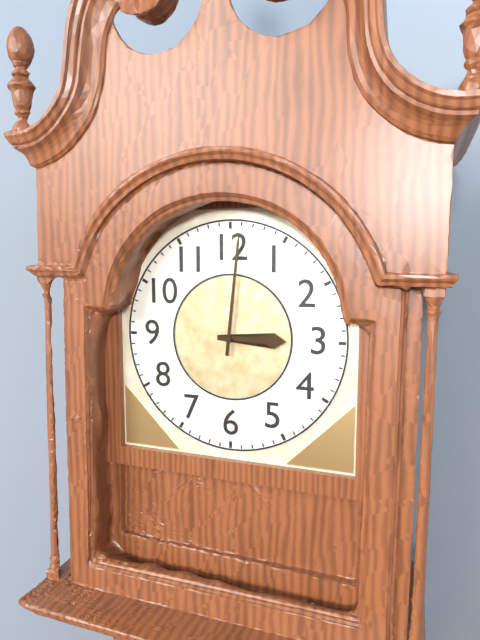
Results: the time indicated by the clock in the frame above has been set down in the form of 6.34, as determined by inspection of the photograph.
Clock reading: 3.01
